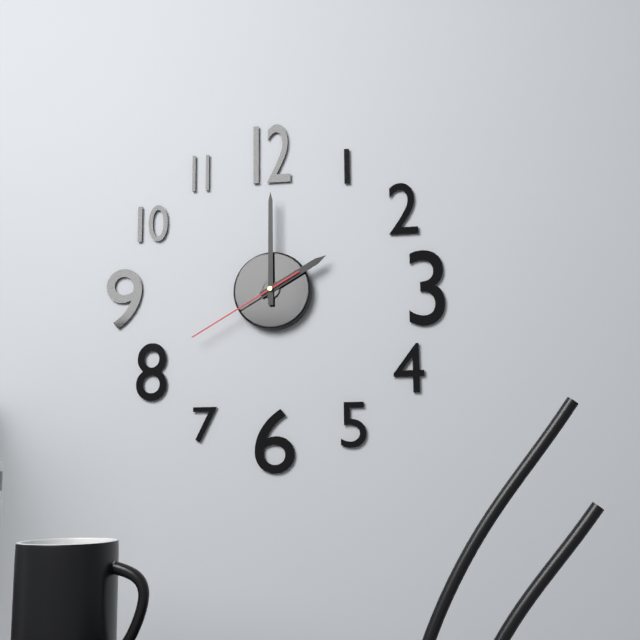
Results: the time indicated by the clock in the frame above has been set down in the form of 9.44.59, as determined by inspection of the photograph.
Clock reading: 2.00.40
